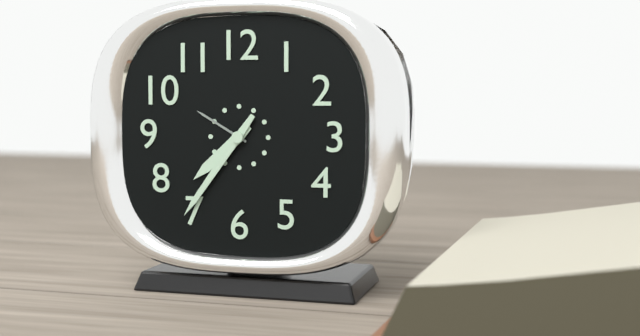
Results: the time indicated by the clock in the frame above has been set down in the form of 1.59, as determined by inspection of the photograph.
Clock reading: 7.36
